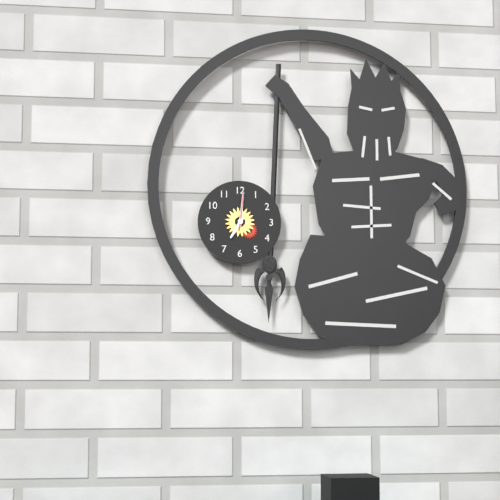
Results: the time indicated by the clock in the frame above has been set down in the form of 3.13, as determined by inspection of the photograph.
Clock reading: 7.01
